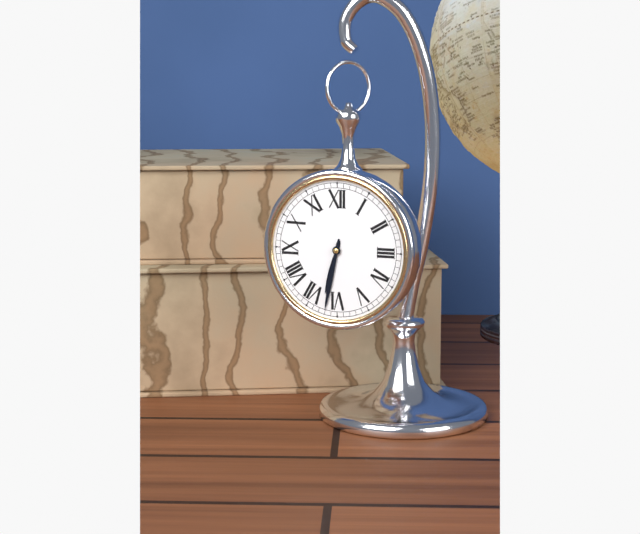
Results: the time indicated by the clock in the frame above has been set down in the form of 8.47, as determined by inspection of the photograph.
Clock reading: 6.32
